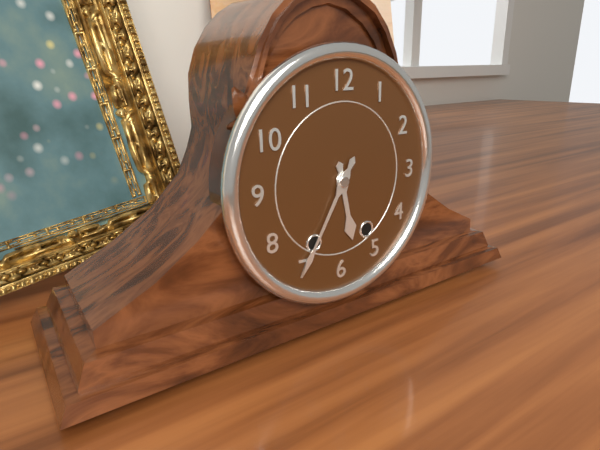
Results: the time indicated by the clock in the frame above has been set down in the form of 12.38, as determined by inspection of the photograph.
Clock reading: 5.35
